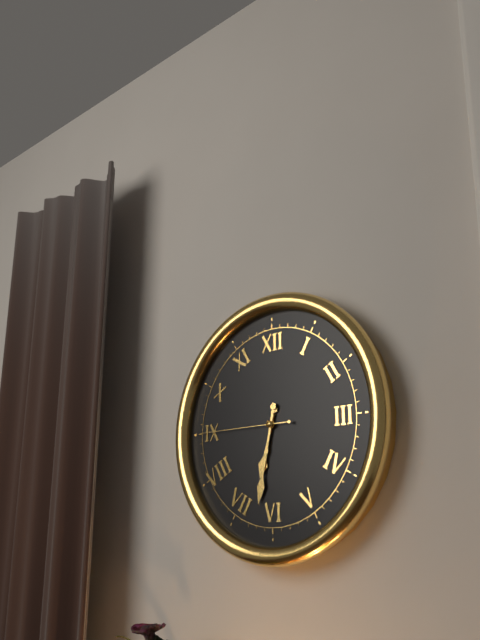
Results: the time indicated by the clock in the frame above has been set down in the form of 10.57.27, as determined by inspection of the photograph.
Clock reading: 6.32.45
